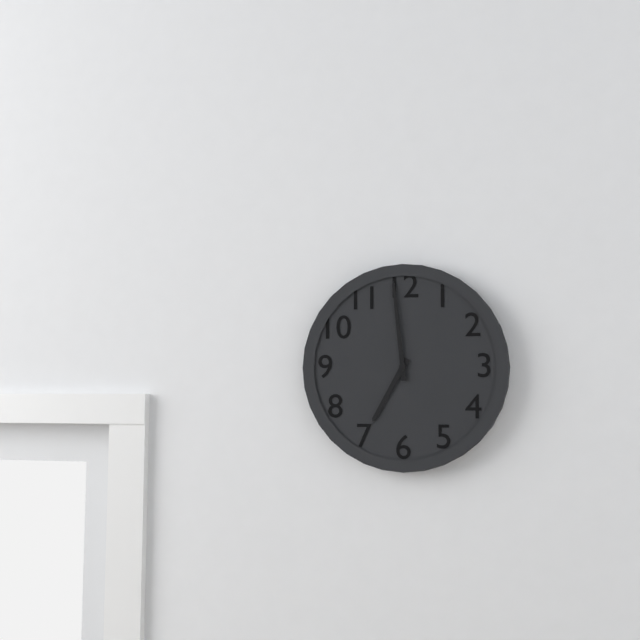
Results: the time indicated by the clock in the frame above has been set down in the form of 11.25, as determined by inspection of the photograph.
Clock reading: 6.59
